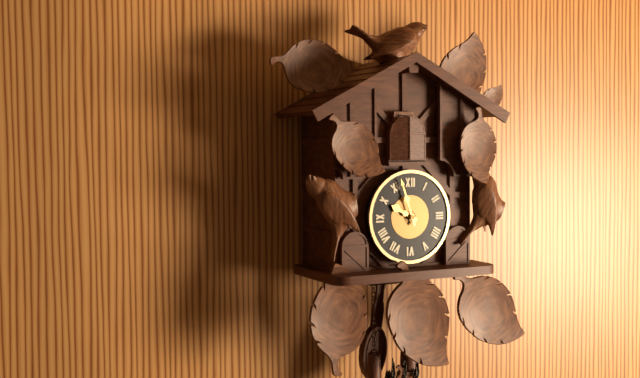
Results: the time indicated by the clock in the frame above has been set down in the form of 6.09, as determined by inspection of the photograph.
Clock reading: 9.57
